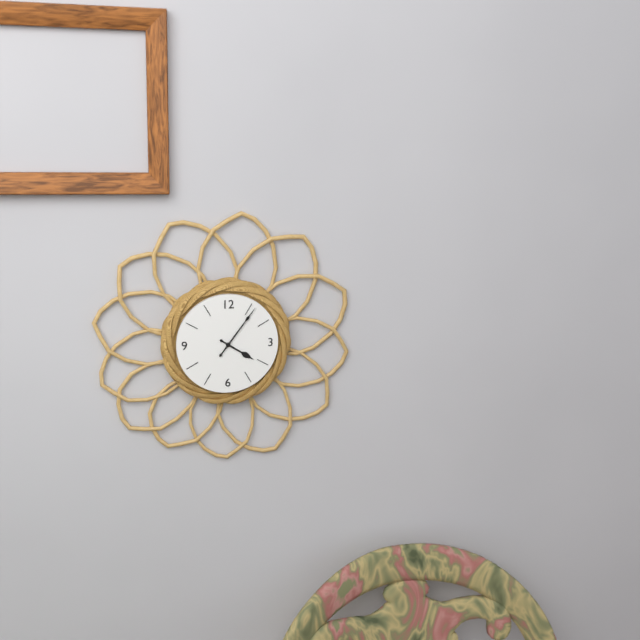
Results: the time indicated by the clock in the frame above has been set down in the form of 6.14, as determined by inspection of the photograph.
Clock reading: 4.06
